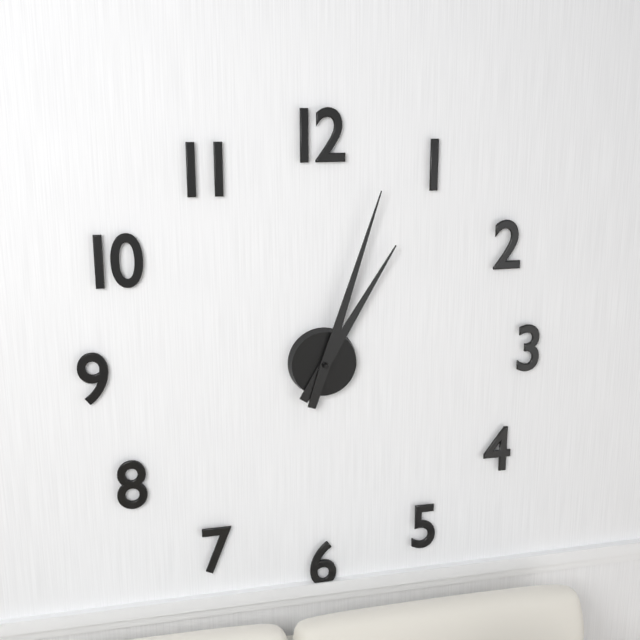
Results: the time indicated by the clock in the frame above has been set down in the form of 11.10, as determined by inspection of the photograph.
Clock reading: 1.03
